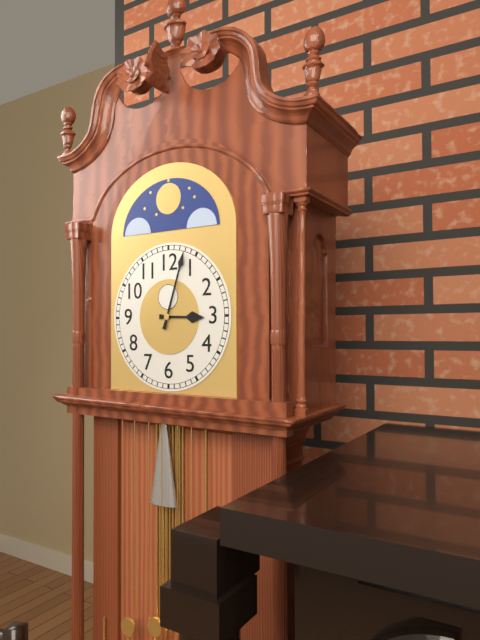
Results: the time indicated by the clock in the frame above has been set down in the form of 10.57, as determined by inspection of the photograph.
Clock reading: 3.03
